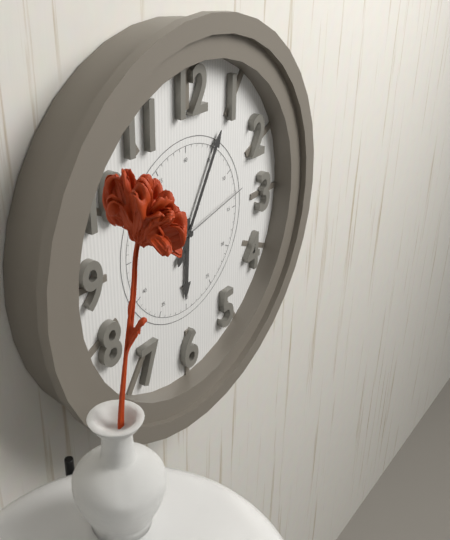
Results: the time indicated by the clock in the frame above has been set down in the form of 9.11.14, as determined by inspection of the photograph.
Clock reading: 6.05.13
